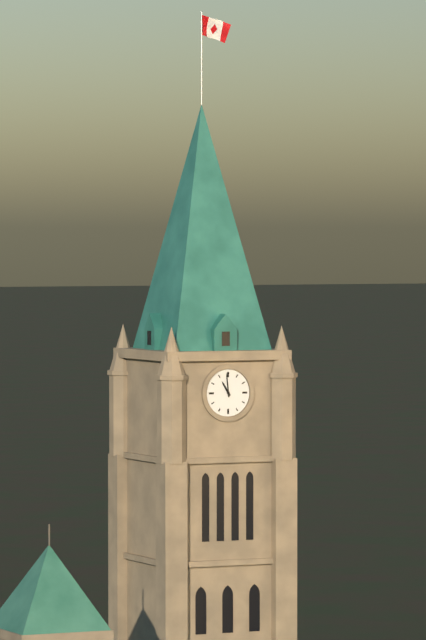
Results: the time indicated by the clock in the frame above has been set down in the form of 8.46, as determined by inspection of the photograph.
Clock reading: 10.59
